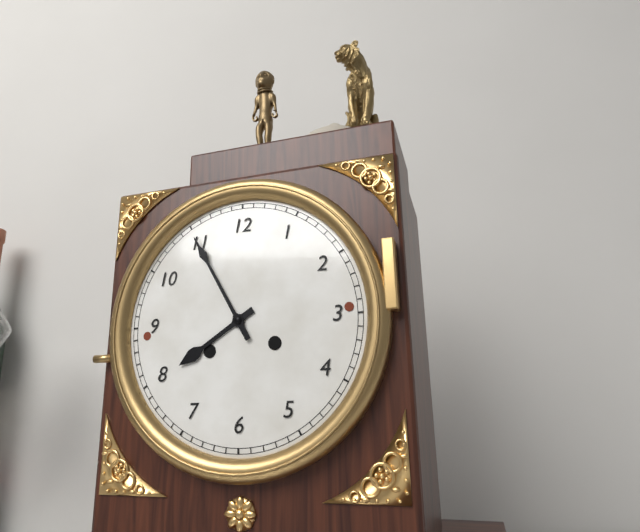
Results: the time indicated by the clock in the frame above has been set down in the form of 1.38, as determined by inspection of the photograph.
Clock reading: 7.55
